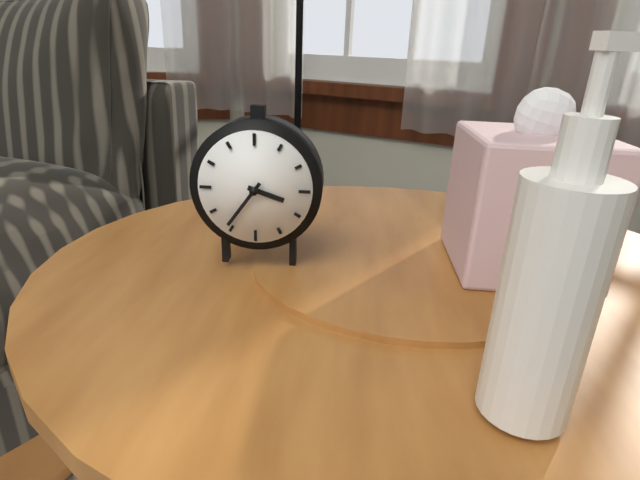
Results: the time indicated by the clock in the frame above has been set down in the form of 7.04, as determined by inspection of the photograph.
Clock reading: 3.36
